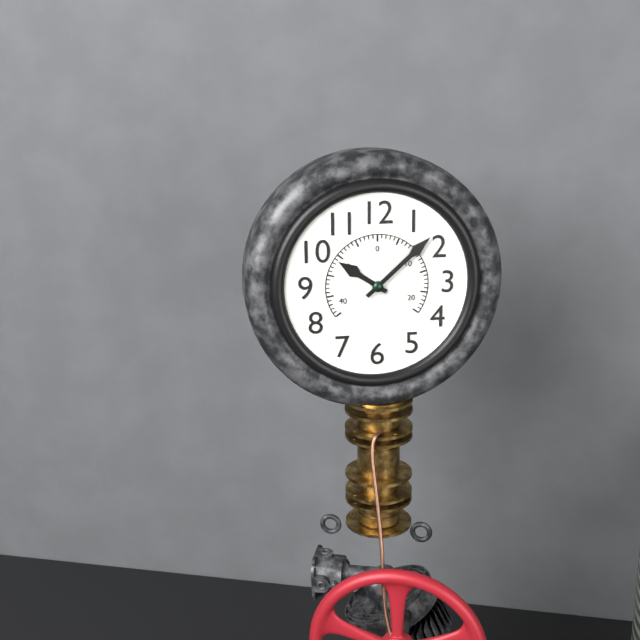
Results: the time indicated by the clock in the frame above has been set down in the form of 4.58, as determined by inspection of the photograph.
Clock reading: 10.08
